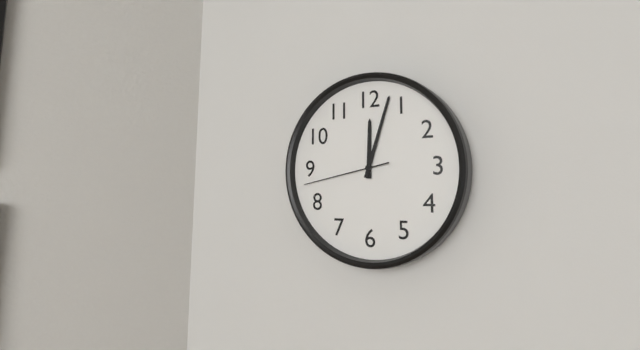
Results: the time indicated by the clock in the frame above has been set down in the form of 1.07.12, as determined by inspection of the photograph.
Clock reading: 12.03.43
